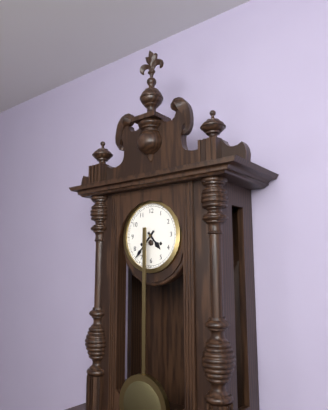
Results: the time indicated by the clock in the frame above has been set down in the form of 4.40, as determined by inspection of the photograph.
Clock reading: 4.37
